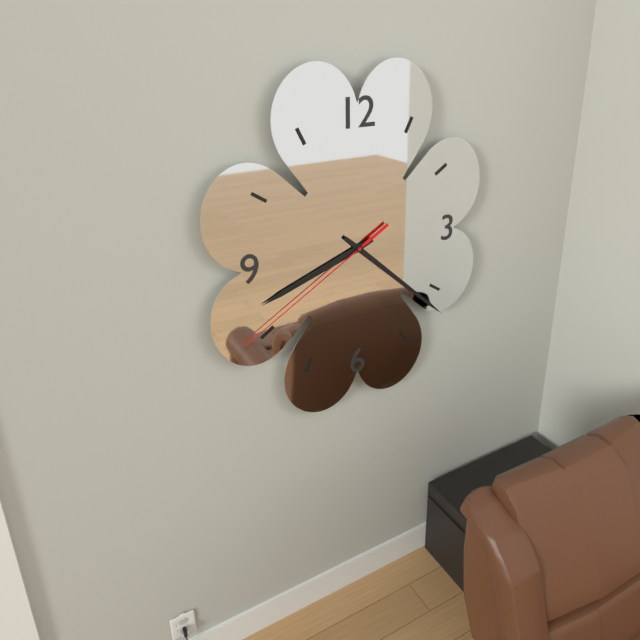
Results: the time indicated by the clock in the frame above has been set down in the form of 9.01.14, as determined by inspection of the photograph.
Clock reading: 8.22.40
